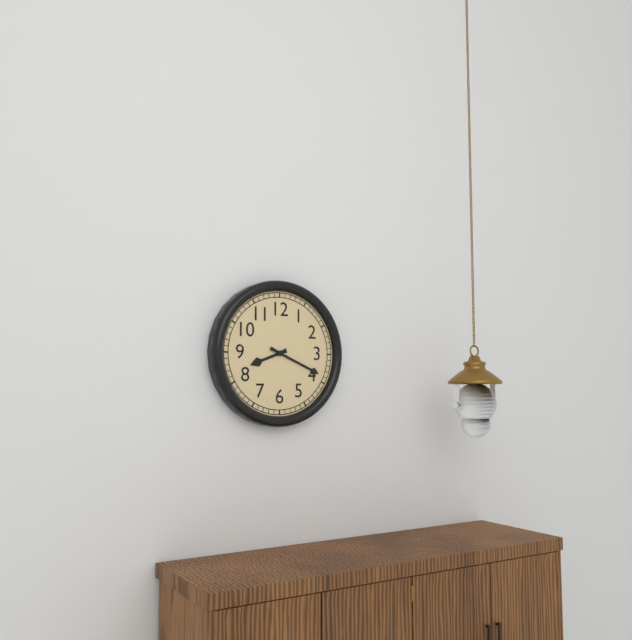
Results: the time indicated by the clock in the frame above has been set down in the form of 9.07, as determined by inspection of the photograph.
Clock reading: 8.19
